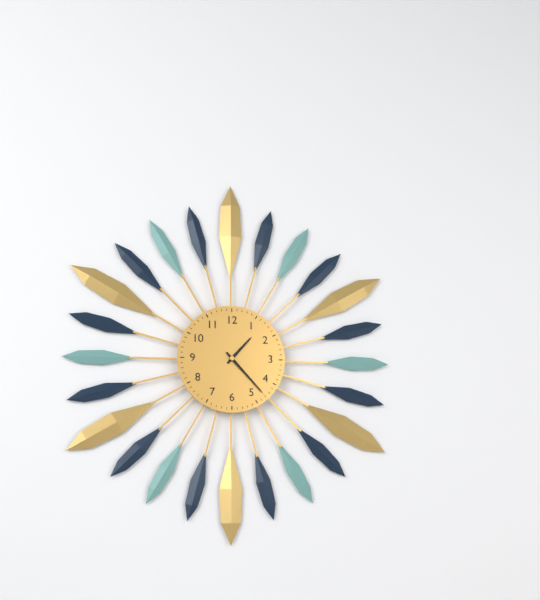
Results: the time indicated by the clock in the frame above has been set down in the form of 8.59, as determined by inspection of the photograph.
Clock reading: 1.23
